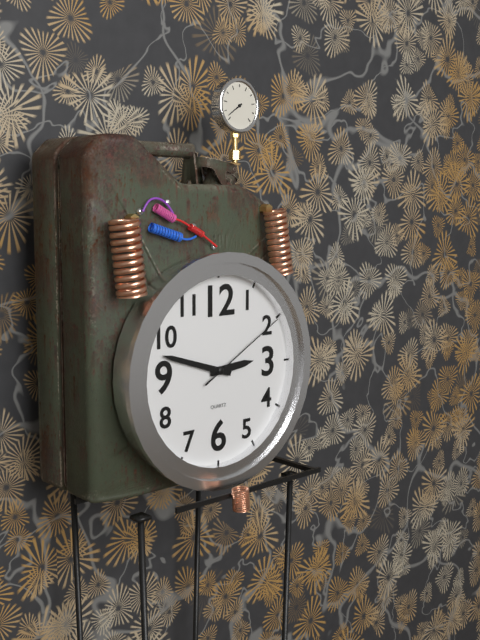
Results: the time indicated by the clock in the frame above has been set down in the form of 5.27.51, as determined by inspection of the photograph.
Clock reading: 2.48.10
